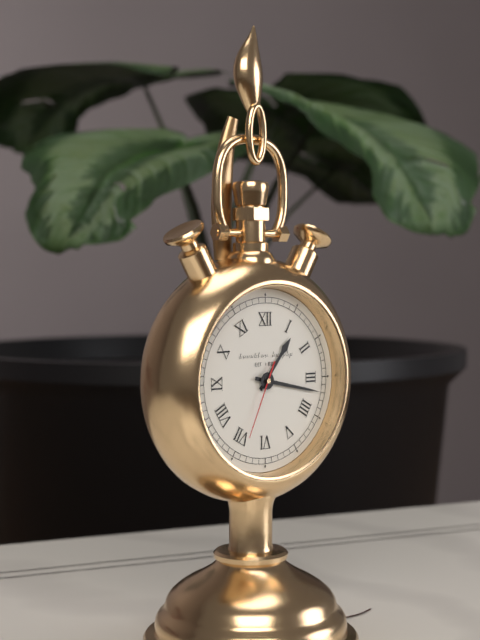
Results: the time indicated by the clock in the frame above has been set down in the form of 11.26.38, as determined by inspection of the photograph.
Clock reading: 1.17.34
